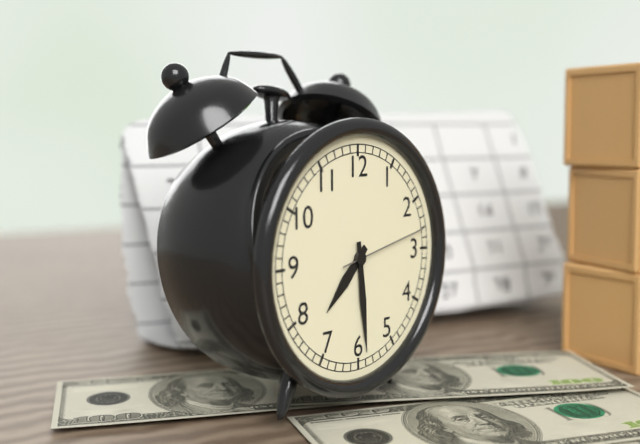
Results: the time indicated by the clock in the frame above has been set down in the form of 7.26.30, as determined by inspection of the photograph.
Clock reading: 7.29.13
